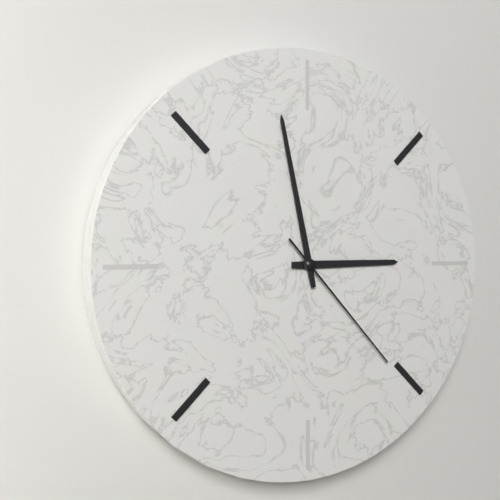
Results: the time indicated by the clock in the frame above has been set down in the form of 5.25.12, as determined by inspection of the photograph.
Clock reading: 2.58.23
